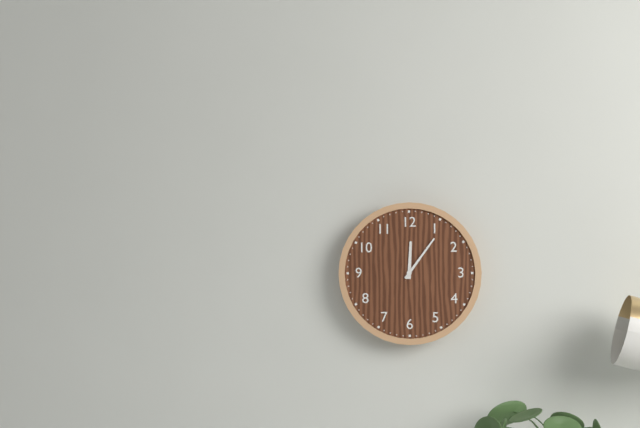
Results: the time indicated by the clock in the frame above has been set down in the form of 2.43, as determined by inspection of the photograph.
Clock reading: 12.06
